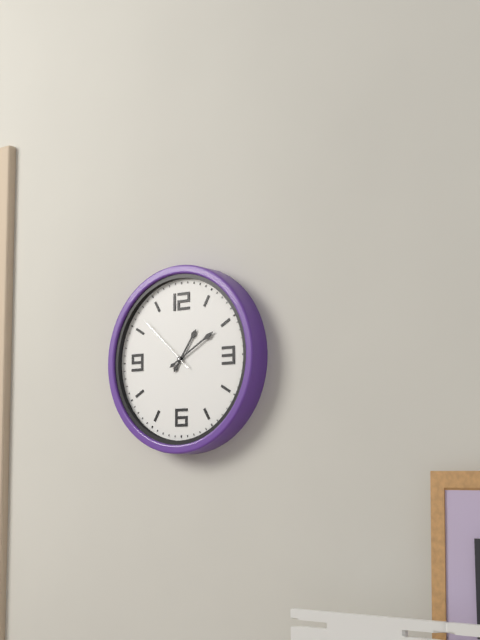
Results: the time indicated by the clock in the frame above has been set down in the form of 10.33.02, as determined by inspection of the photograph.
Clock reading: 1.10.52
